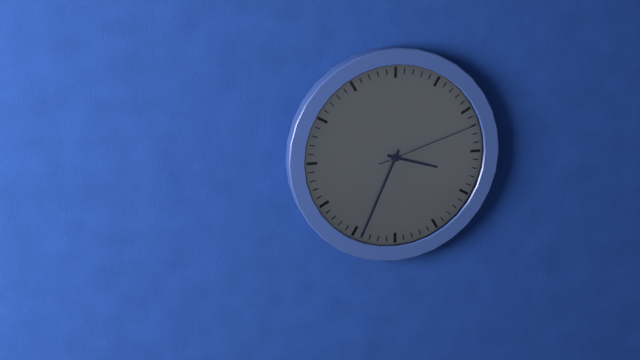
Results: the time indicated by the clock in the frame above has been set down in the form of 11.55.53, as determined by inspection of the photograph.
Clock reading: 3.34.12
